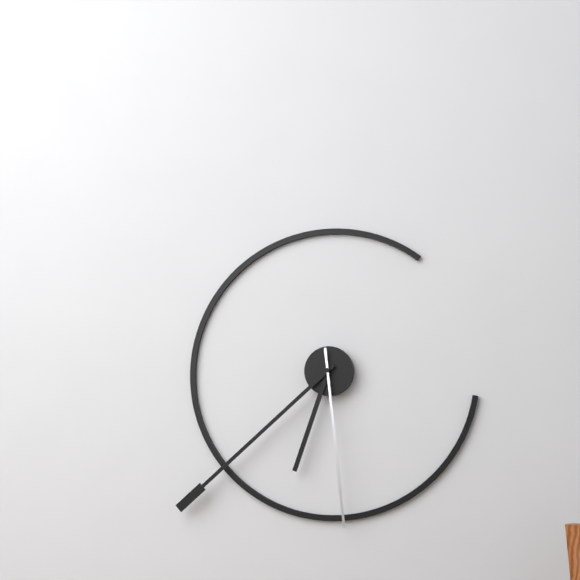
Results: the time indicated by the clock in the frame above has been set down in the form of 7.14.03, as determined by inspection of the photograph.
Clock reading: 6.38.29
